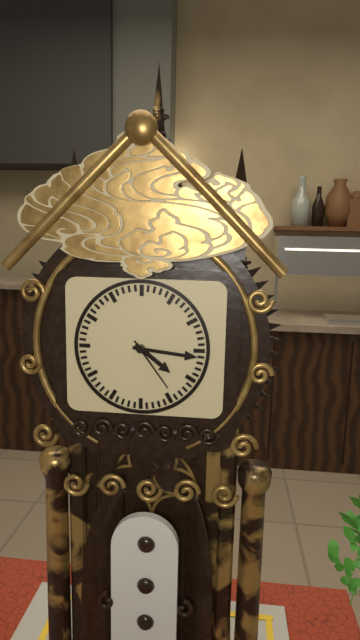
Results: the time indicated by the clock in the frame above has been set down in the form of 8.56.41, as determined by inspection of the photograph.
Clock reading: 4.16.24
